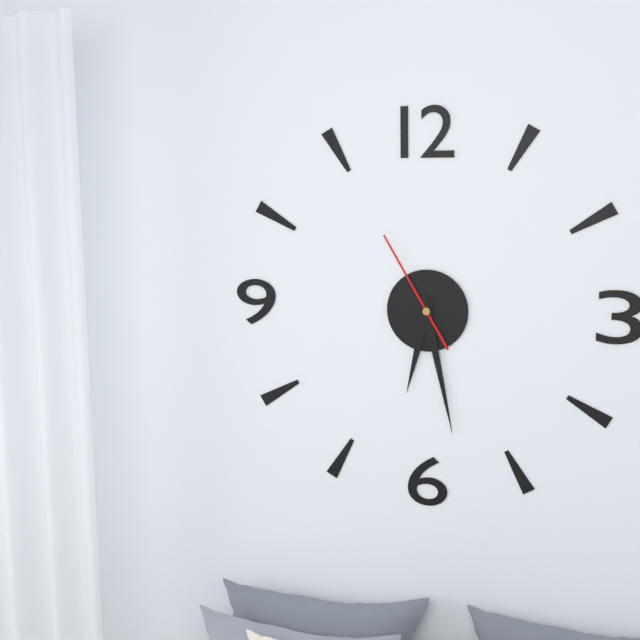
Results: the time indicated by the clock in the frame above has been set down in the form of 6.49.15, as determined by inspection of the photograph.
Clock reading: 6.28.55
